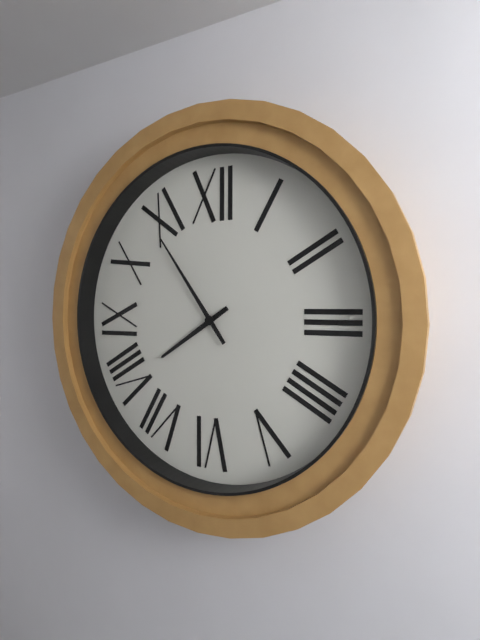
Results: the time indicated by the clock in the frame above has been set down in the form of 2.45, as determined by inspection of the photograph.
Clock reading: 7.54
